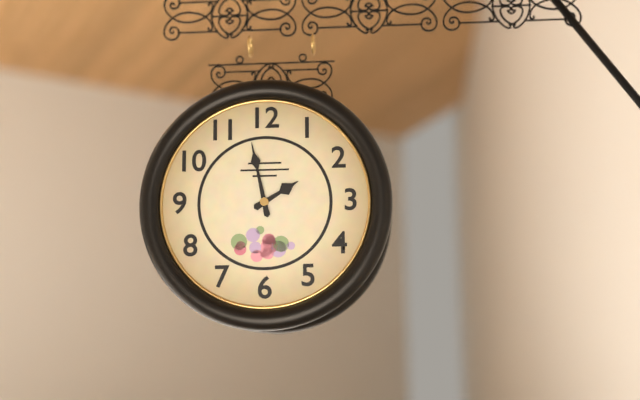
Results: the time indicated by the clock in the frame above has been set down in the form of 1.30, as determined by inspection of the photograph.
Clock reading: 1.58
